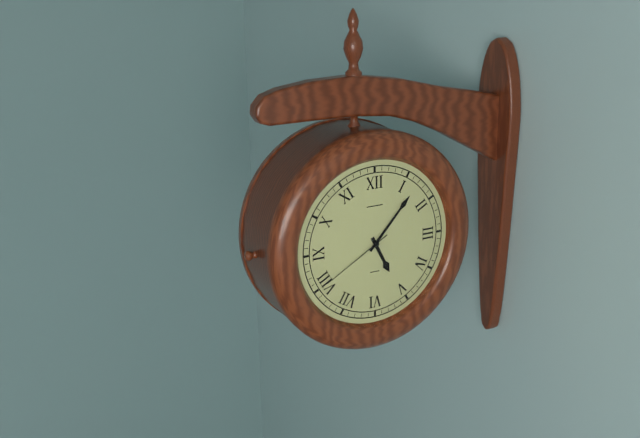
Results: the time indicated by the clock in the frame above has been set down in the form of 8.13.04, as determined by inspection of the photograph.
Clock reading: 5.07.40
